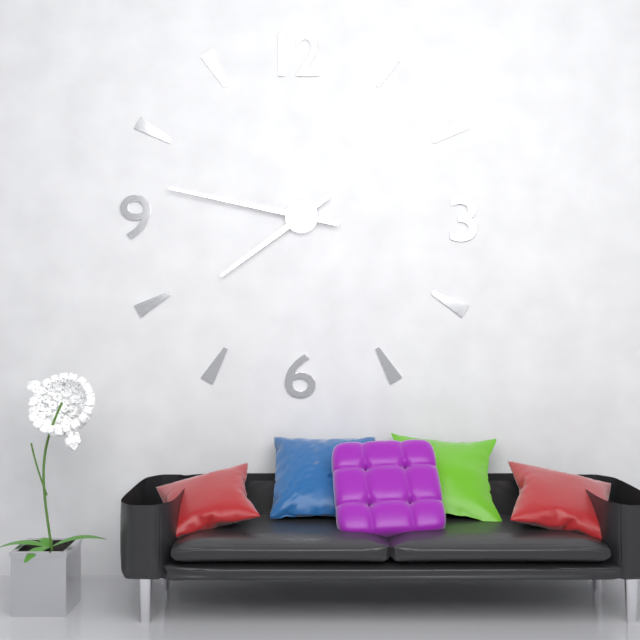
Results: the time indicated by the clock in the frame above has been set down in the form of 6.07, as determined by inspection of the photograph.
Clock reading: 7.47
